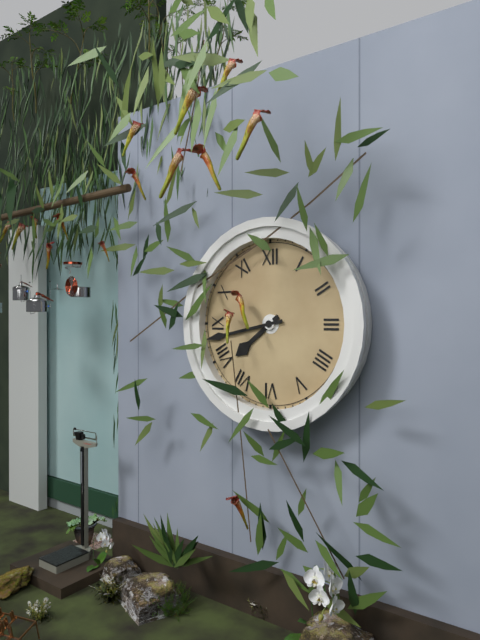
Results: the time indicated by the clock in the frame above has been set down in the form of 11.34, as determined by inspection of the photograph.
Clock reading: 7.43
